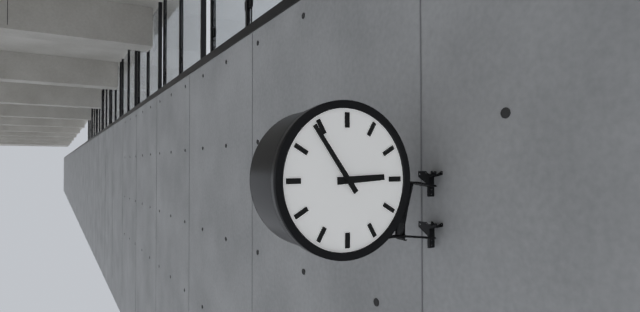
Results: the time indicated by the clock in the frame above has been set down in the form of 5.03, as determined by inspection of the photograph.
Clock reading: 2.54
